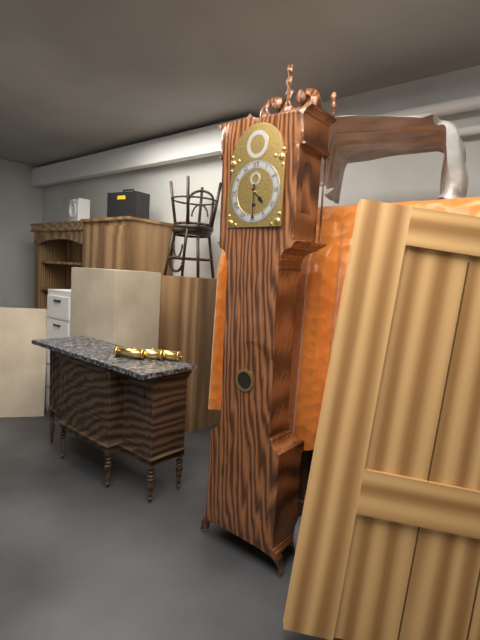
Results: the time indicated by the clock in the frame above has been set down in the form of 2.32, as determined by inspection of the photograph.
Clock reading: 4.30
